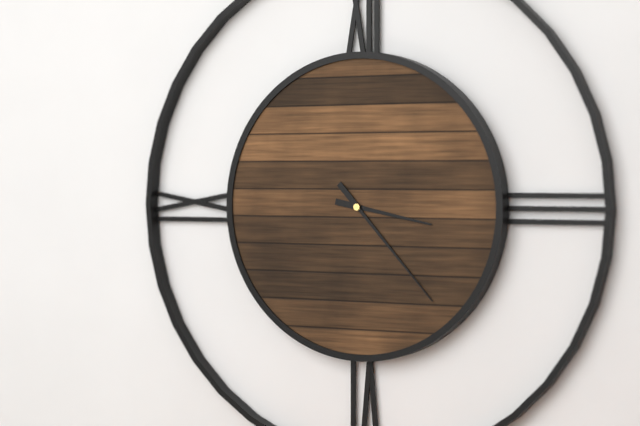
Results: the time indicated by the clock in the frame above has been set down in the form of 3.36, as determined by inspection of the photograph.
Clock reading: 3.23
